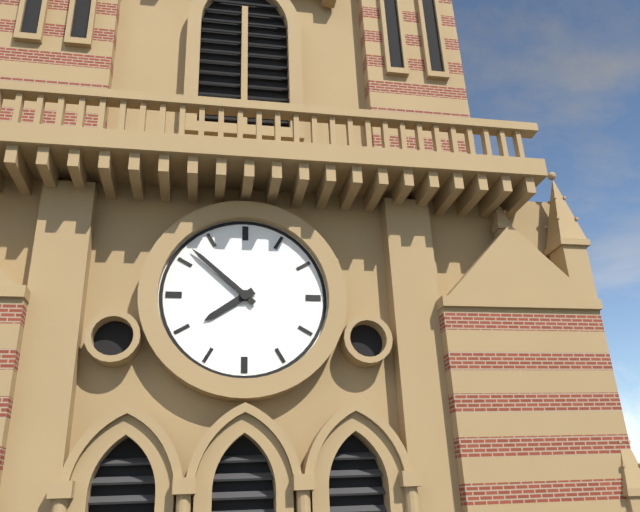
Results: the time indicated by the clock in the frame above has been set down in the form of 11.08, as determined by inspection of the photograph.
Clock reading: 7.52
